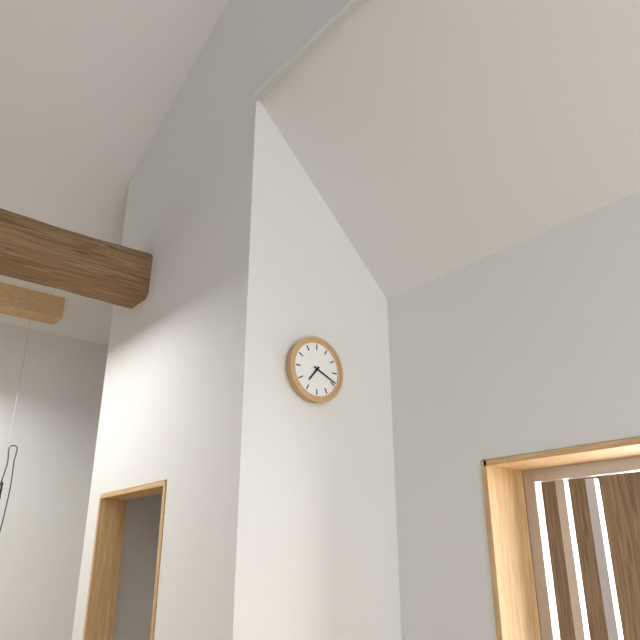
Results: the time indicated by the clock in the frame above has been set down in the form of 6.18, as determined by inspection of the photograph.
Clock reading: 7.19
